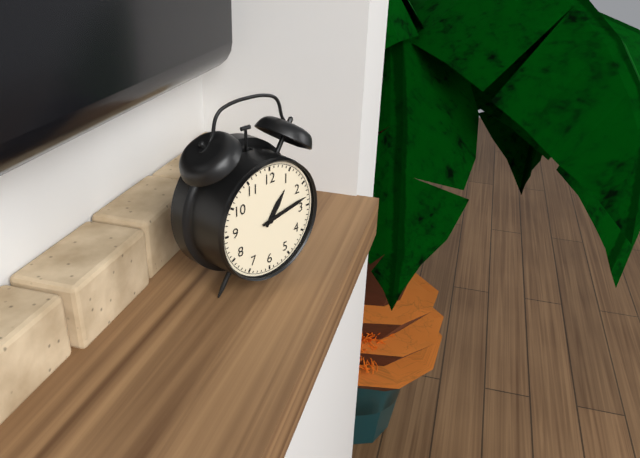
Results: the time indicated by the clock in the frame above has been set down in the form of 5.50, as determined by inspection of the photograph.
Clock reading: 1.13
